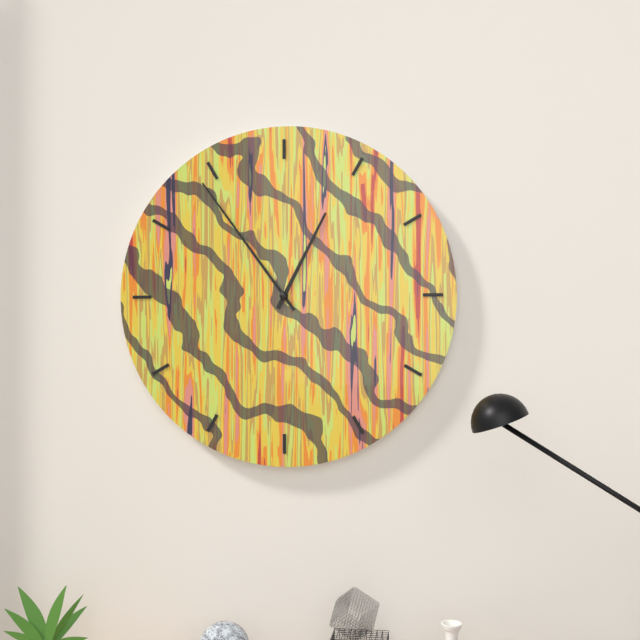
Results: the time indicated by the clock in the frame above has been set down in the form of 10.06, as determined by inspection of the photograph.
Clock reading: 12.54
